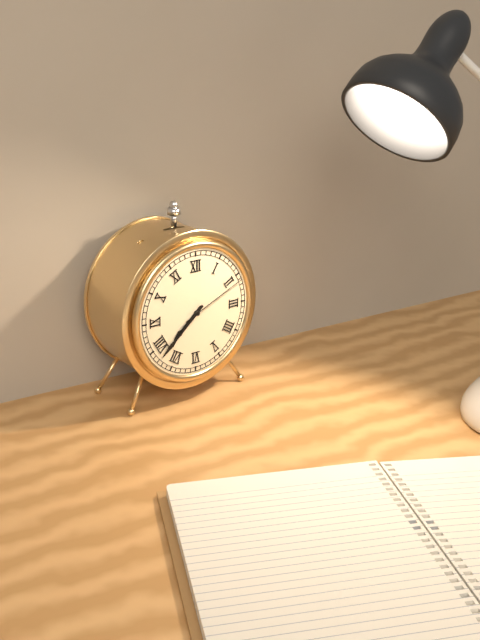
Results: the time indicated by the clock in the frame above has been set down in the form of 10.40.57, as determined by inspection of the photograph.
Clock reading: 7.38.11
